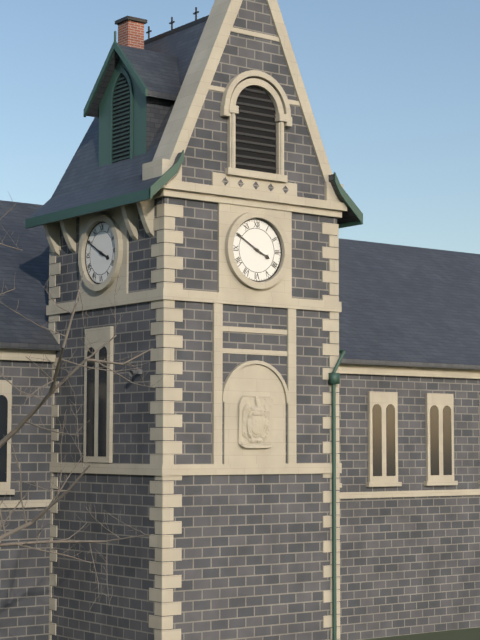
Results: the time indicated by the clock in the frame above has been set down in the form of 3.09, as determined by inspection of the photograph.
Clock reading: 3.50
